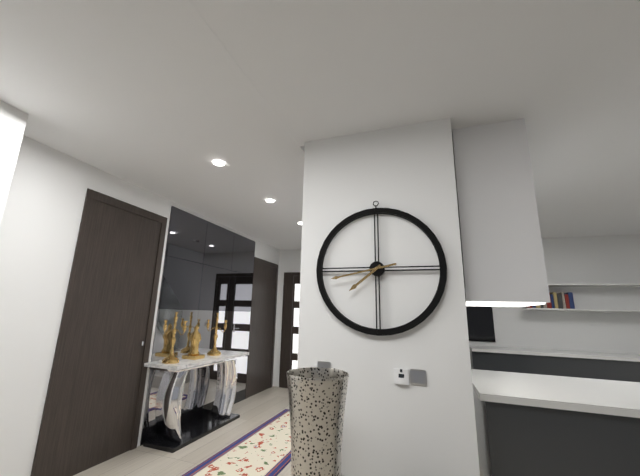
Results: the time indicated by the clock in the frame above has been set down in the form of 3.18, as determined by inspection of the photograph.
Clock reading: 7.43
